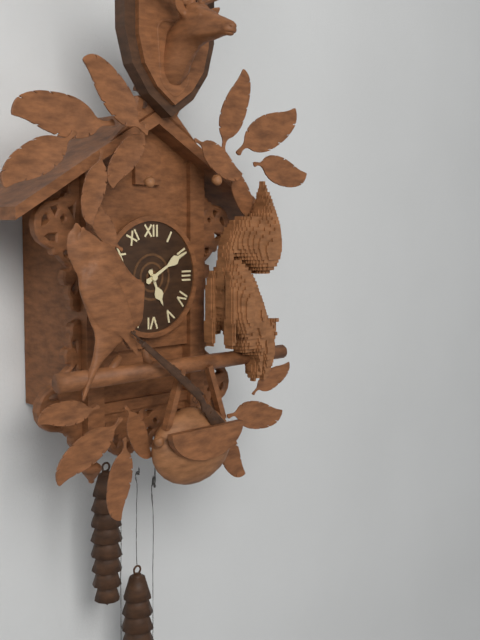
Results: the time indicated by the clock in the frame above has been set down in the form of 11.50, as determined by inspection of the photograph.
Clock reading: 5.10
